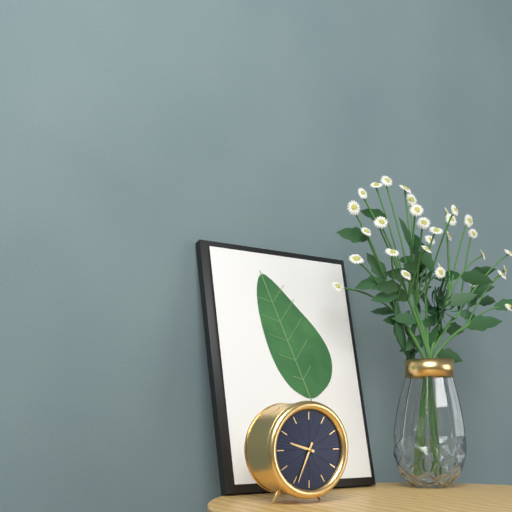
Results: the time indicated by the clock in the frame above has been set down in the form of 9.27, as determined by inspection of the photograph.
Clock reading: 9.34
